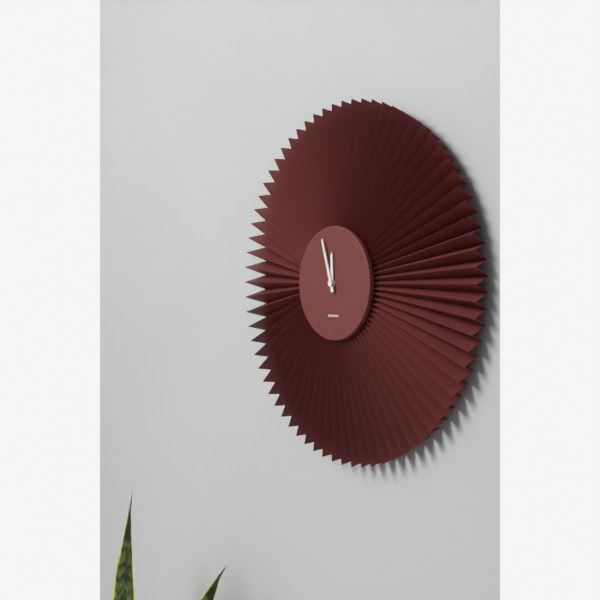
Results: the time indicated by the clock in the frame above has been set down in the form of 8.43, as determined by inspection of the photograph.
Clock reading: 11.57
